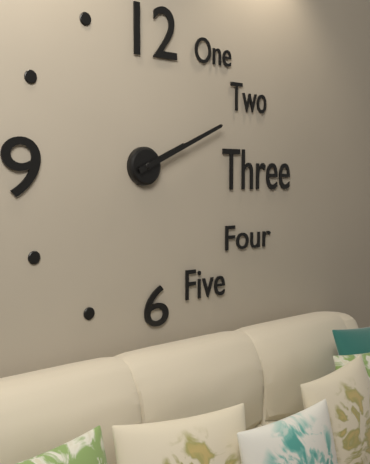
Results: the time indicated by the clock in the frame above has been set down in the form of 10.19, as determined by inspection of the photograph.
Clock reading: 2.11
